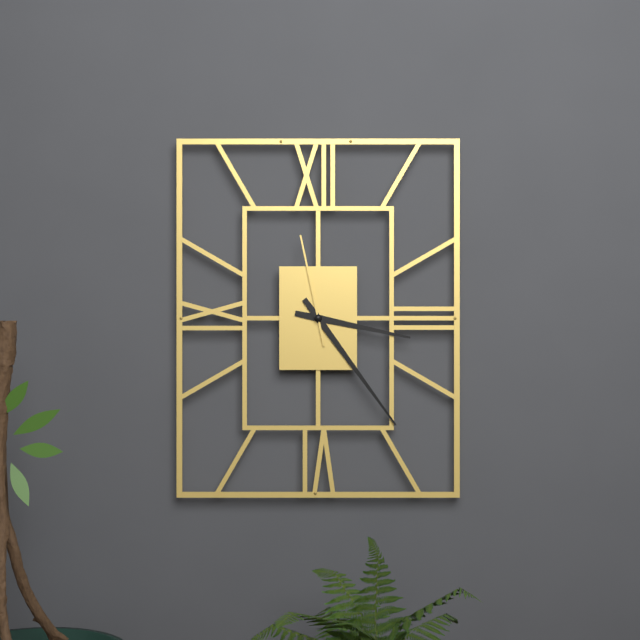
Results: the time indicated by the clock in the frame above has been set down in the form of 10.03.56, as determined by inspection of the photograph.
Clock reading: 3.24.58
